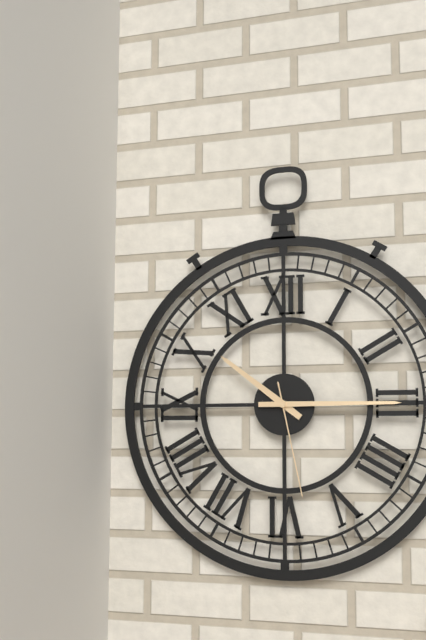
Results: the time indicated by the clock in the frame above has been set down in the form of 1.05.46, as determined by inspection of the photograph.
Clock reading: 10.15.28
